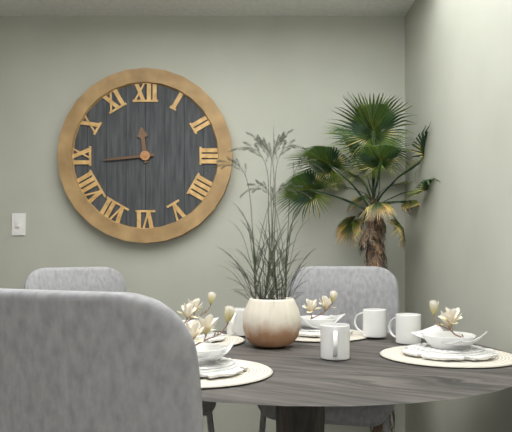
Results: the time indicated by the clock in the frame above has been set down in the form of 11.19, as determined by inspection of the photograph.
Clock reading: 11.44
